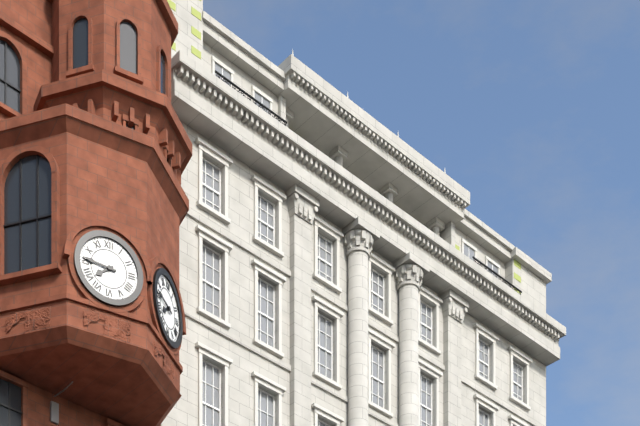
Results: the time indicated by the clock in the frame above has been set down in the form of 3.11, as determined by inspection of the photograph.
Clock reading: 7.46
